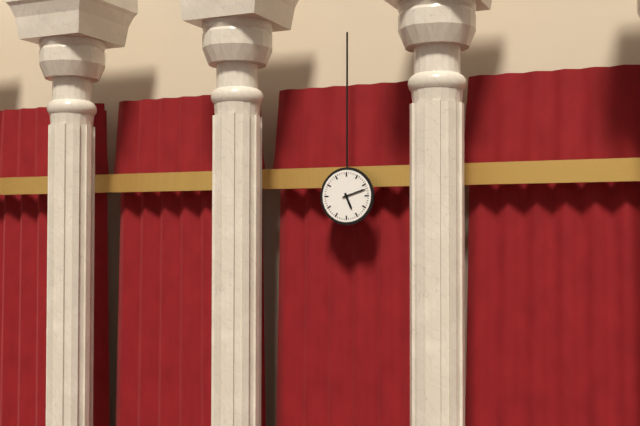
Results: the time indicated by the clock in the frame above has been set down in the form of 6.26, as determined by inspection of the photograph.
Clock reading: 5.12
